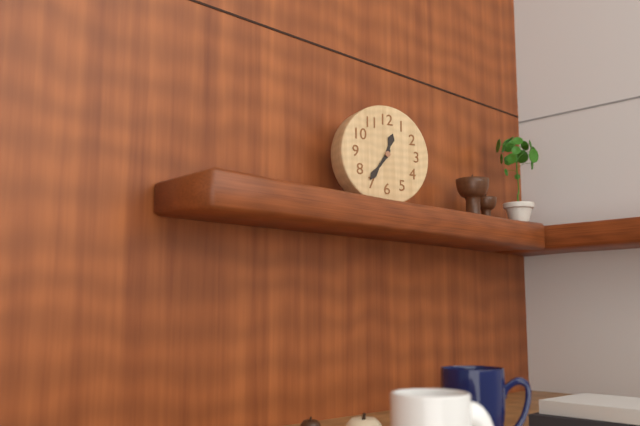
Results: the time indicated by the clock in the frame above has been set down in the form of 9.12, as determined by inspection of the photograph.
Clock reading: 12.36
